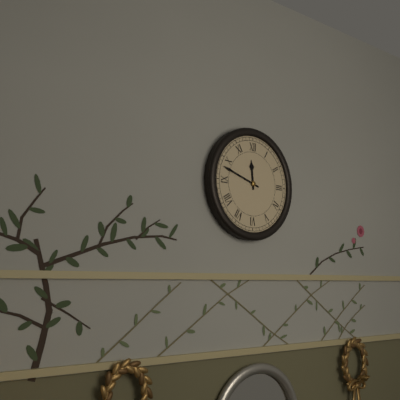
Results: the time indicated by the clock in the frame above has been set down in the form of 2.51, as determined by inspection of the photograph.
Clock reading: 11.48
